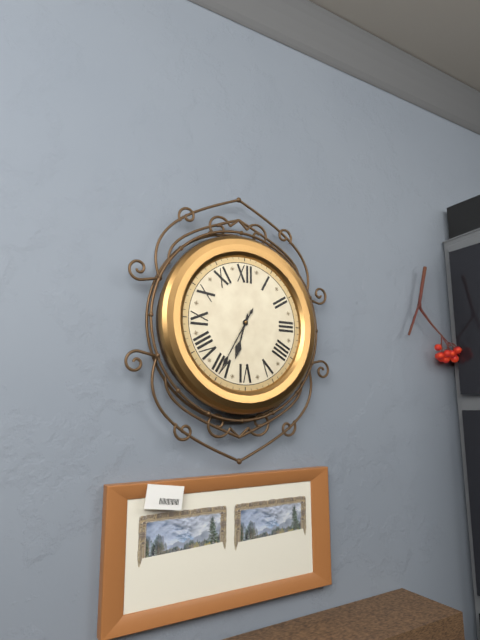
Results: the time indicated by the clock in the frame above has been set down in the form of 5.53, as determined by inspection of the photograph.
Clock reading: 6.35
